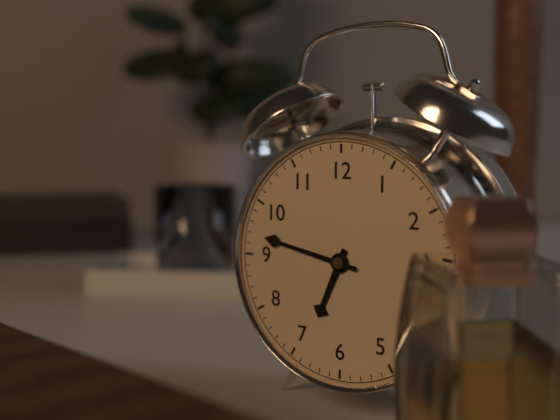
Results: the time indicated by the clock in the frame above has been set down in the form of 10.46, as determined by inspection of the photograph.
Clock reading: 6.47
